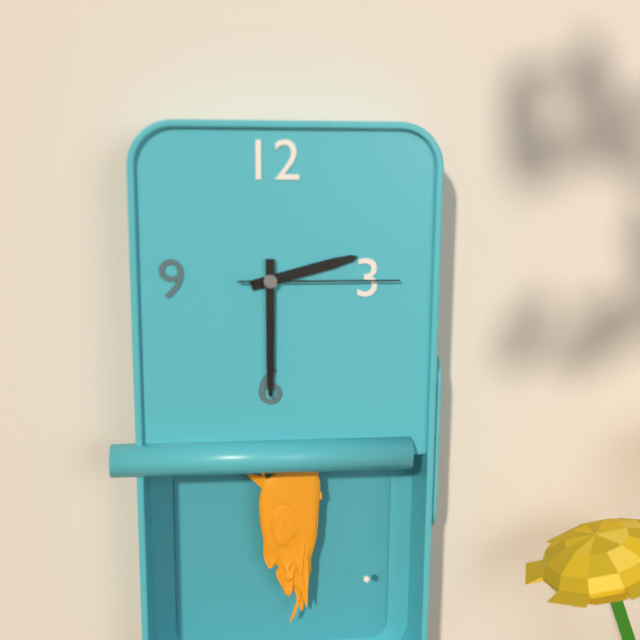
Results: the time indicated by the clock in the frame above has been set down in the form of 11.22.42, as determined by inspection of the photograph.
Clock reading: 2.30.15
